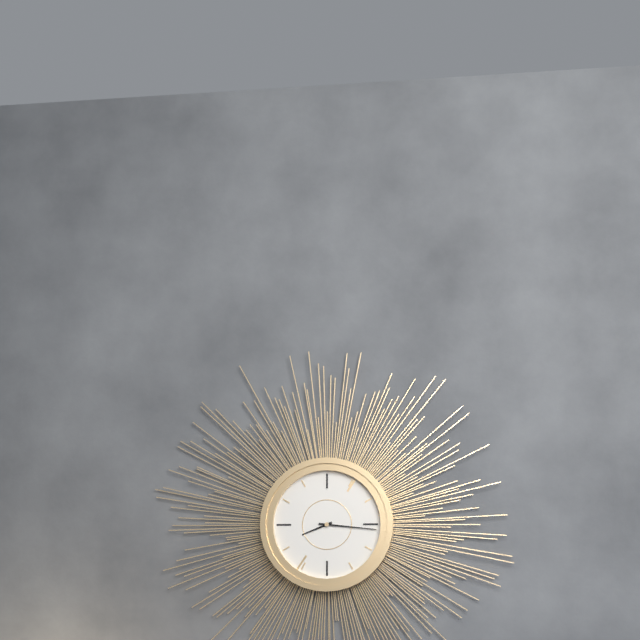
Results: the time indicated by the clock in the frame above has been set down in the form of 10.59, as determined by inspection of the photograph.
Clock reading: 8.16
